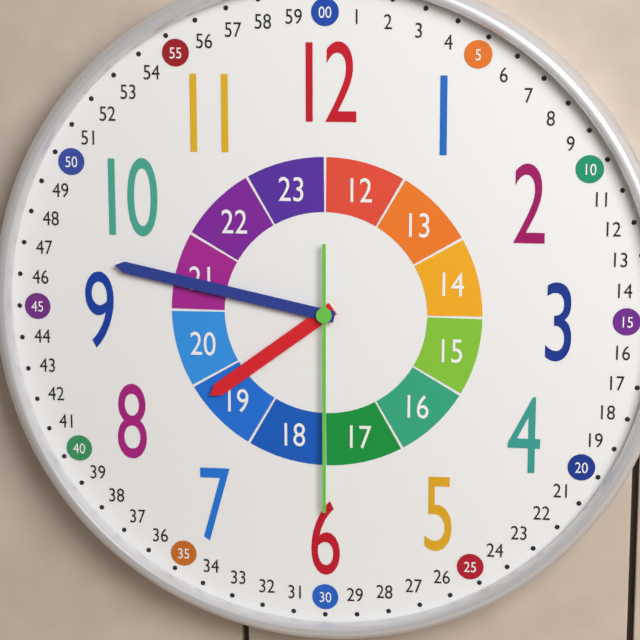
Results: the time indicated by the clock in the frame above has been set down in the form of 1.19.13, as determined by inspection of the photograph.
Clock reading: 7.47.30
